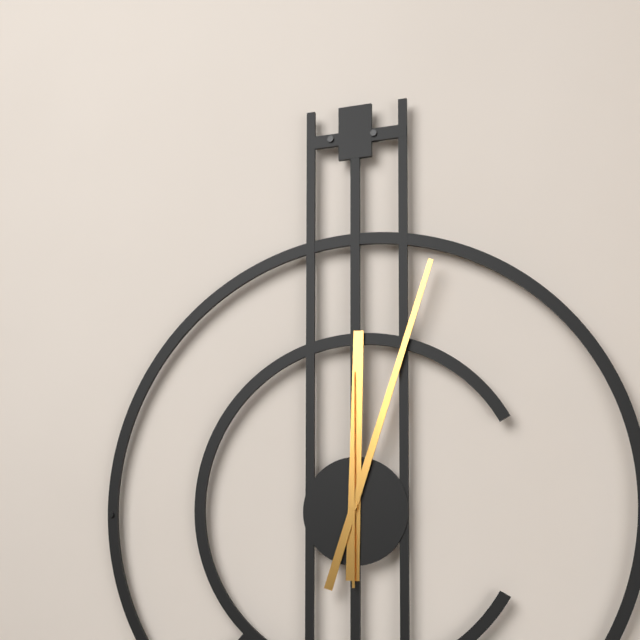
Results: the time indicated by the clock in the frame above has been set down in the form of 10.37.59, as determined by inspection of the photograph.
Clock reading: 12.03.00
